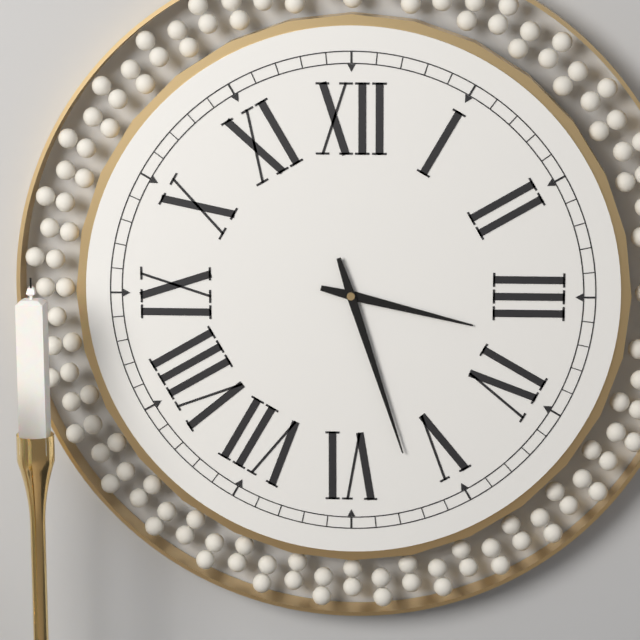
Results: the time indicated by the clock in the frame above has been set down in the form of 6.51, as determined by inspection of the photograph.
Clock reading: 3.27
